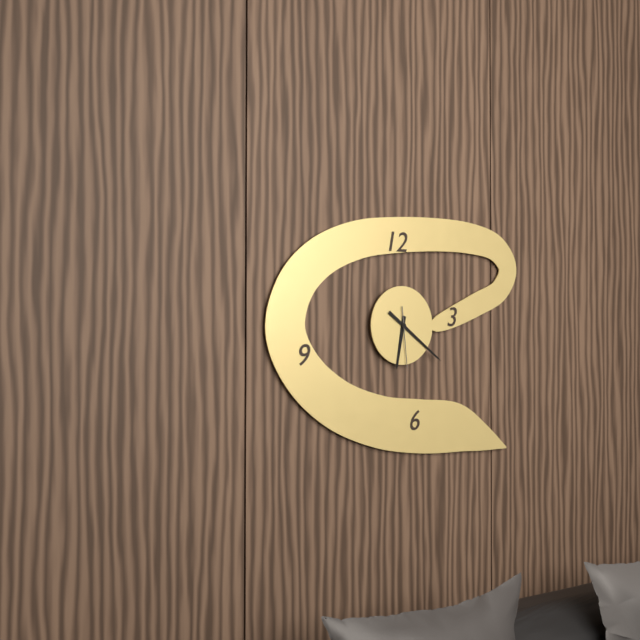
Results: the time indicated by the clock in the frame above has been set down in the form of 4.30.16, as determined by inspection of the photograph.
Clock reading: 6.21.29
